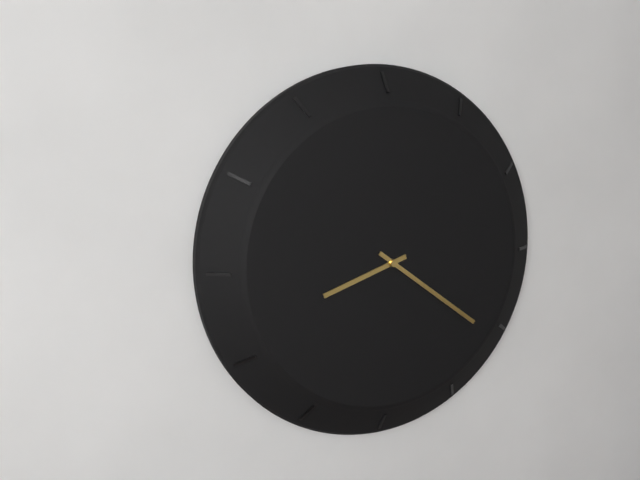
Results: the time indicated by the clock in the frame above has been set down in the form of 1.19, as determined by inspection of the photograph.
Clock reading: 8.21
